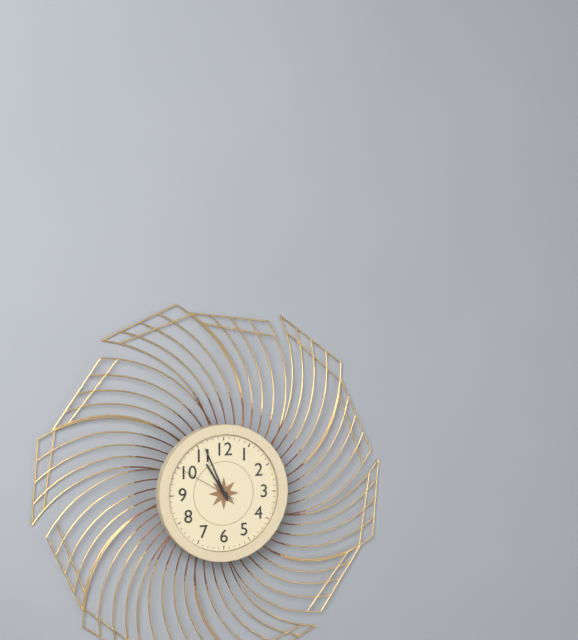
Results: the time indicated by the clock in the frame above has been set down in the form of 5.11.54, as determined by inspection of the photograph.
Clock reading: 10.56.50
